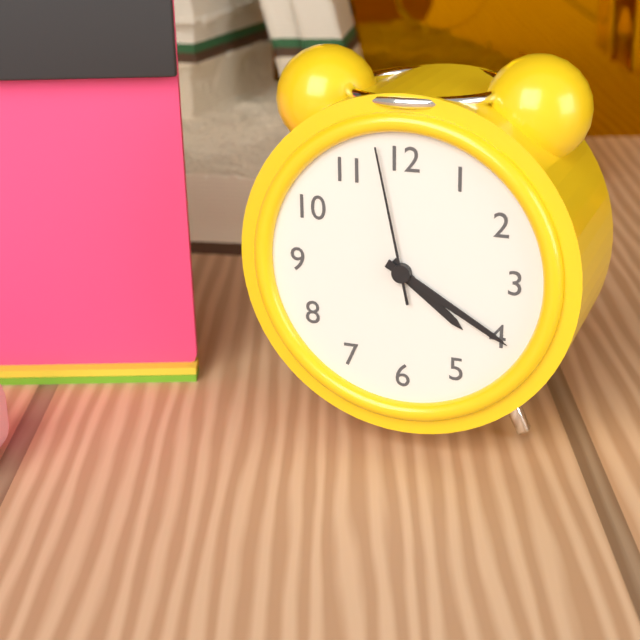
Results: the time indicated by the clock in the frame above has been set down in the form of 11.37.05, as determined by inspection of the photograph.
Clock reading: 4.20.58
